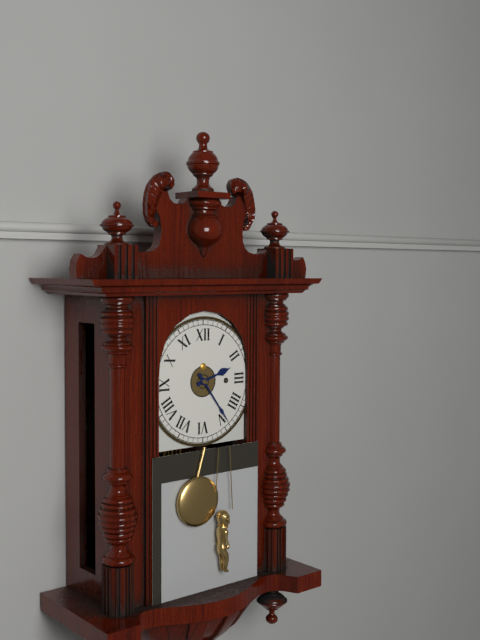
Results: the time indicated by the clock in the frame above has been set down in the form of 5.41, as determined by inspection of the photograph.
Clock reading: 2.24
